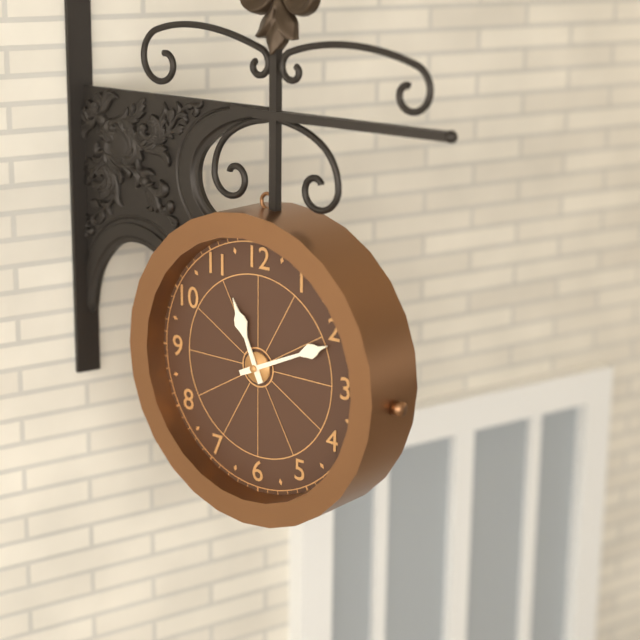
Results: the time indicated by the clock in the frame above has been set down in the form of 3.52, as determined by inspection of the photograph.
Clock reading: 11.11
